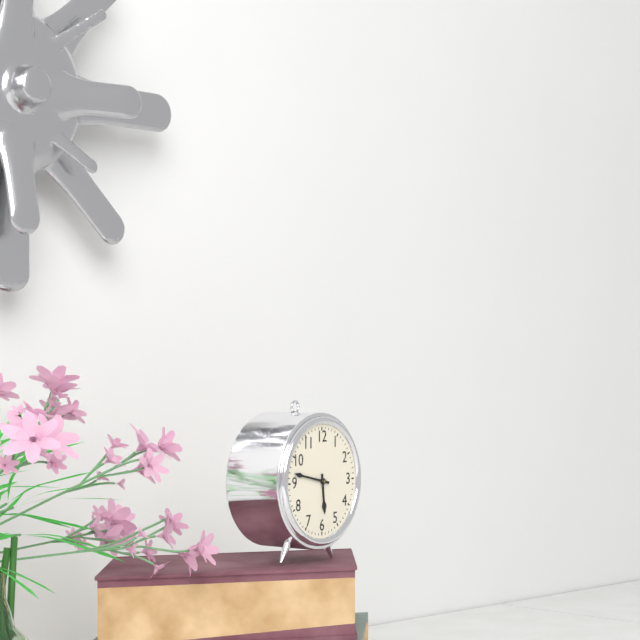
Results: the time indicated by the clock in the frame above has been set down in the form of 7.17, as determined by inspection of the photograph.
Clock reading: 5.47
